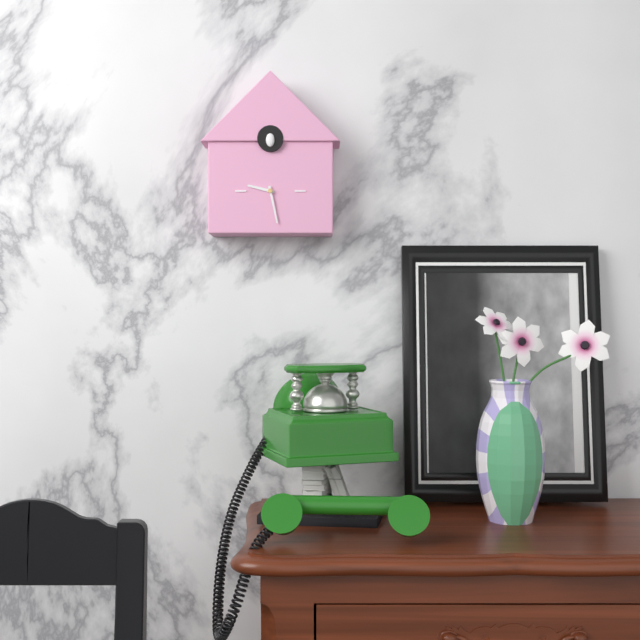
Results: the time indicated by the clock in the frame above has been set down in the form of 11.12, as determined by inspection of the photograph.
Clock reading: 9.28
